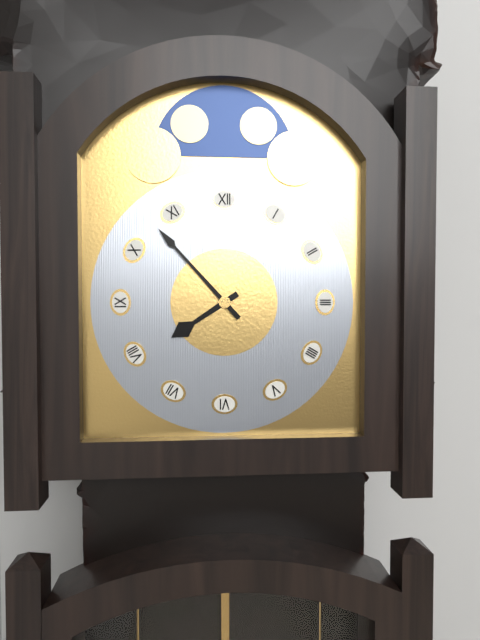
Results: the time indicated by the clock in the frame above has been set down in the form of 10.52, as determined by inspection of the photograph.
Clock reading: 7.53
